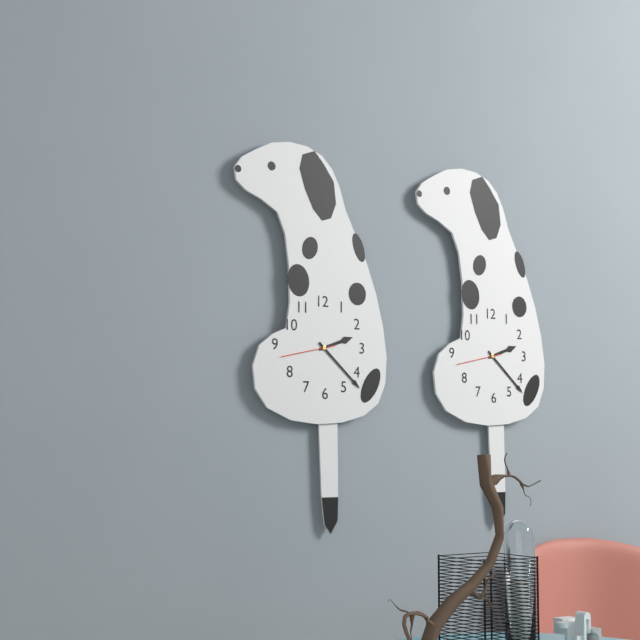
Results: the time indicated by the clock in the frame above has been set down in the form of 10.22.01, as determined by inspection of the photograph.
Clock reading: 2.22.43
